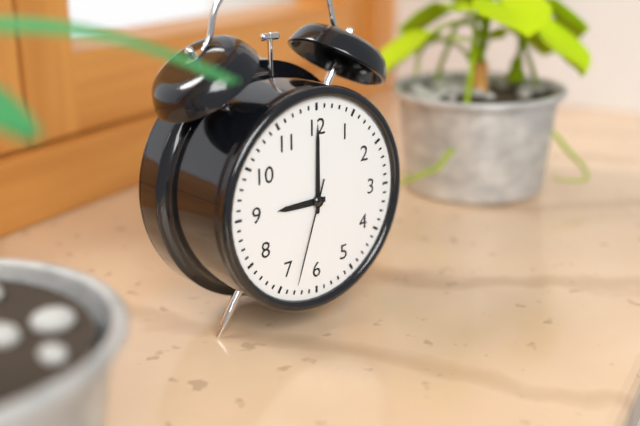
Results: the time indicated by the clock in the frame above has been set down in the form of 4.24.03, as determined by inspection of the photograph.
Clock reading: 9.00.33
